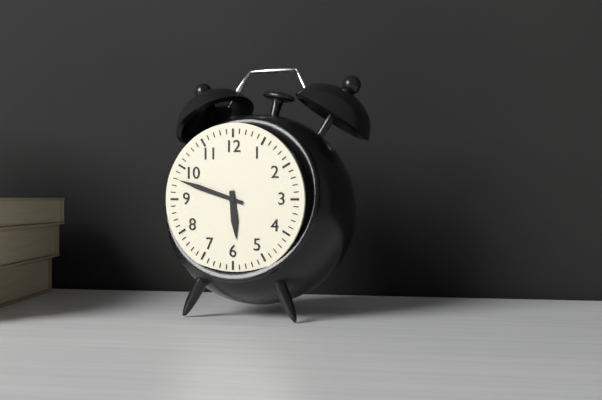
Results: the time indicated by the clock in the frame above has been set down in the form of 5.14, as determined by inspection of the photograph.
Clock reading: 5.48
